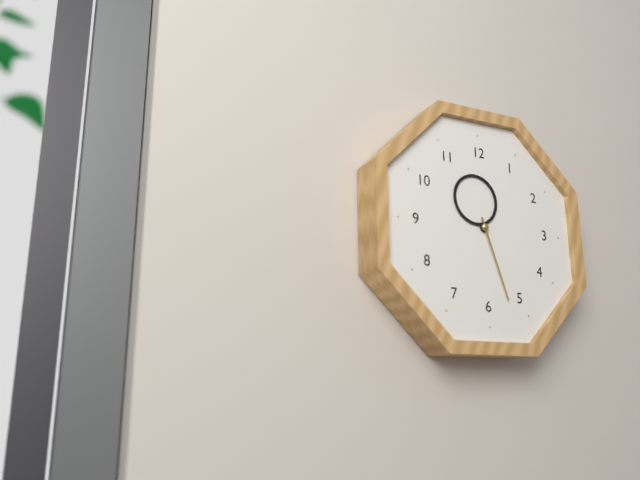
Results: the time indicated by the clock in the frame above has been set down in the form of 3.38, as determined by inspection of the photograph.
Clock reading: 11.27
